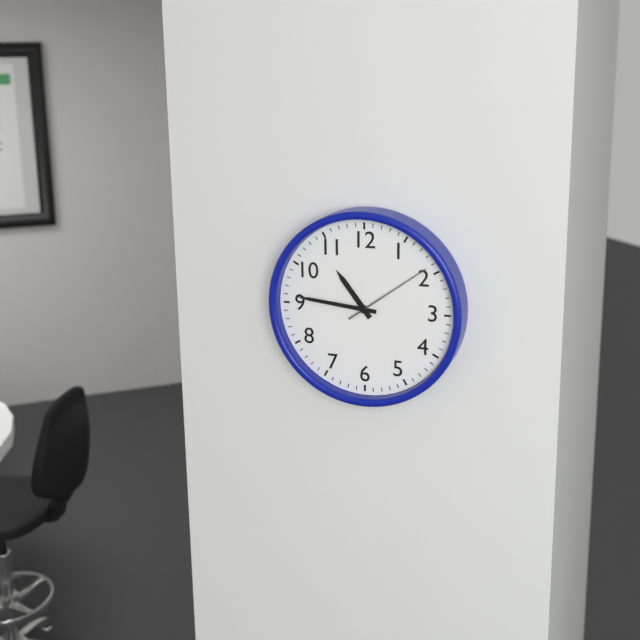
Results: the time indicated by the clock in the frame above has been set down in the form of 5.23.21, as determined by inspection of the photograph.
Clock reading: 10.46.09
